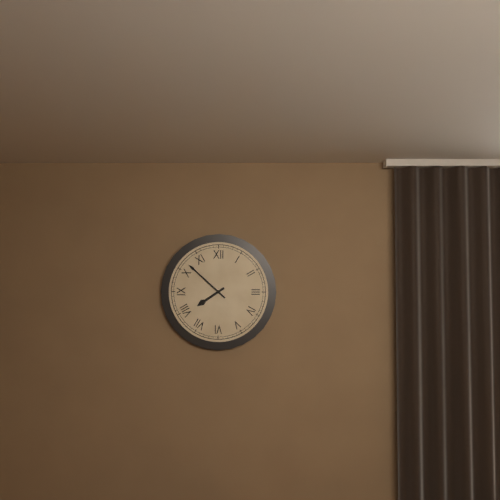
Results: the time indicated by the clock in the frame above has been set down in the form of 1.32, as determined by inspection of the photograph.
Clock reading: 7.52
